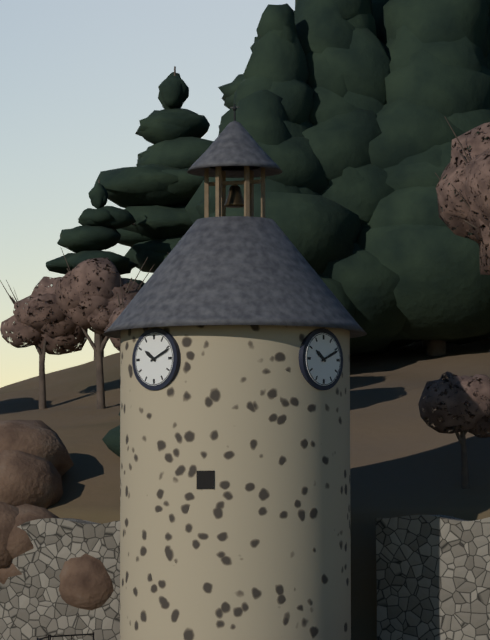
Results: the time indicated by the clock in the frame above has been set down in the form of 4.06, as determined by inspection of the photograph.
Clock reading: 10.11
